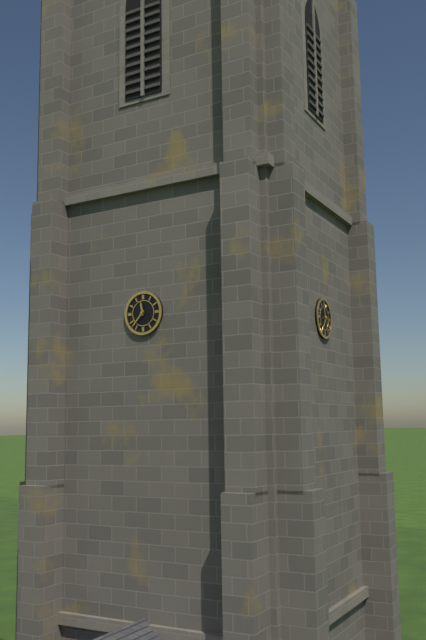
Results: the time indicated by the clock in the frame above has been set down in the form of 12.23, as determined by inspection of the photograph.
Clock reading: 11.37
